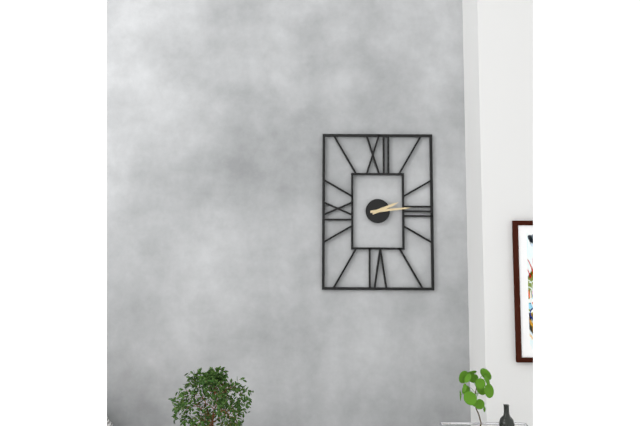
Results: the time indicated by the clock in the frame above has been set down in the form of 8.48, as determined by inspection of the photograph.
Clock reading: 2.14
